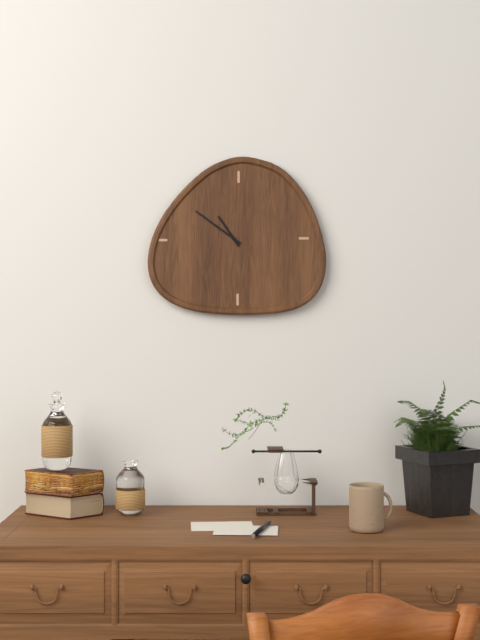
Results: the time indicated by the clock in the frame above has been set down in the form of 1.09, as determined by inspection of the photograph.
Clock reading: 10.51
